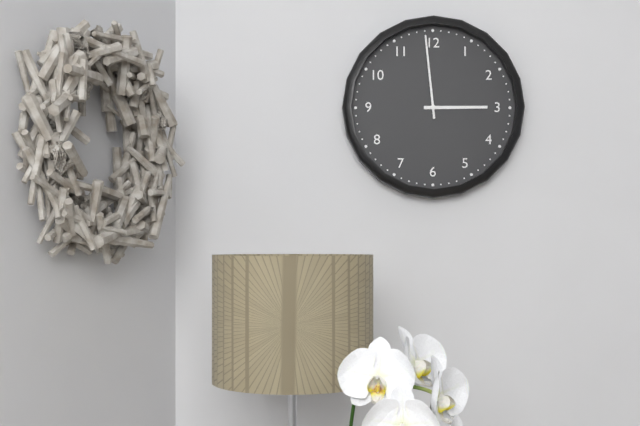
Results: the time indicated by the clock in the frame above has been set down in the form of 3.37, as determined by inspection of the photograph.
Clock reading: 2.59
